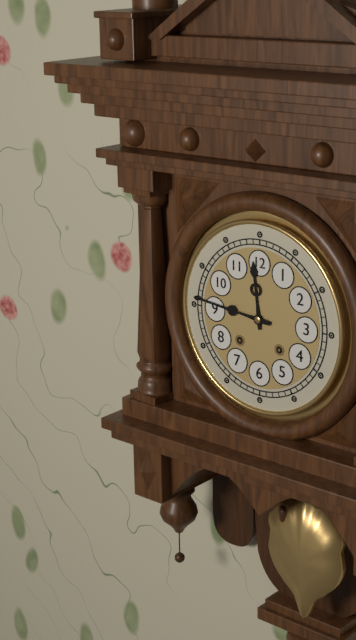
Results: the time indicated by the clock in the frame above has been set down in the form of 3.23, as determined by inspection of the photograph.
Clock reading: 11.46
